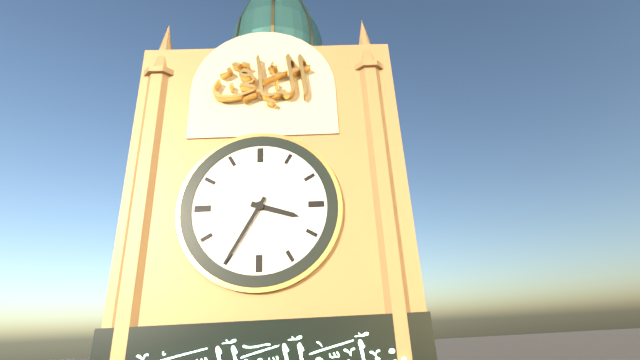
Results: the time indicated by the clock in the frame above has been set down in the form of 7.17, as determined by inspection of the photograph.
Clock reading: 3.35
